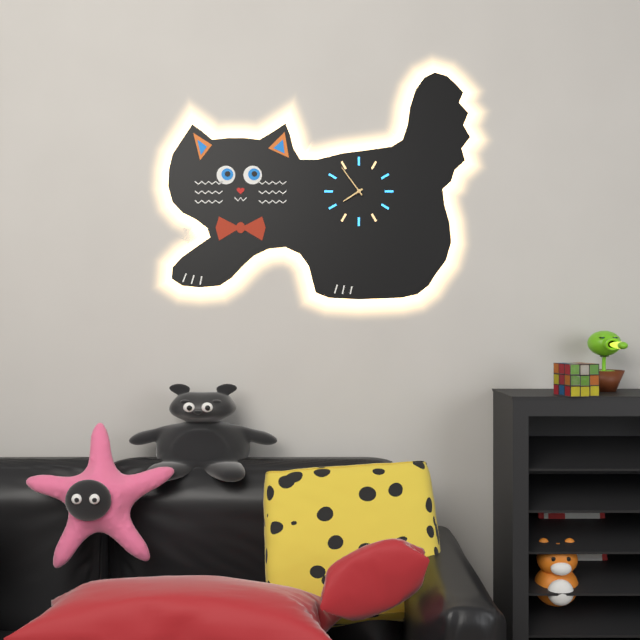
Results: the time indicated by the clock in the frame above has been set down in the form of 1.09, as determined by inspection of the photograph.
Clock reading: 7.54
